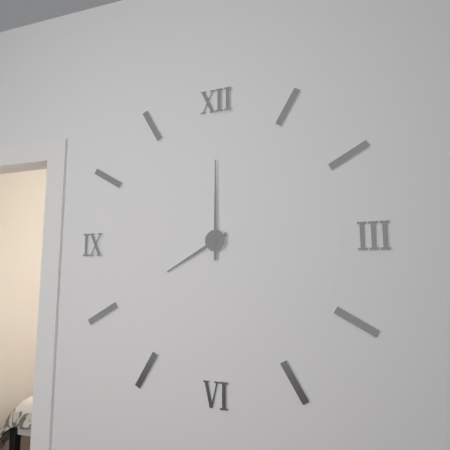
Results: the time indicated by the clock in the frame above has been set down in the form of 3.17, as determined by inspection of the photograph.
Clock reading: 8.00
